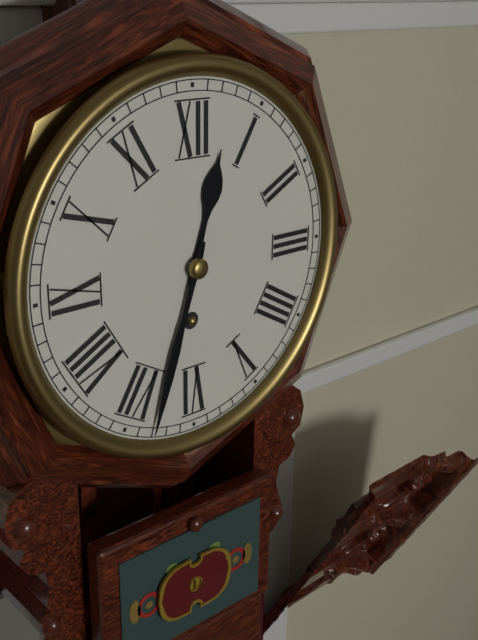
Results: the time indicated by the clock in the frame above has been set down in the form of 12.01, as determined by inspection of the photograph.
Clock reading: 12.33
